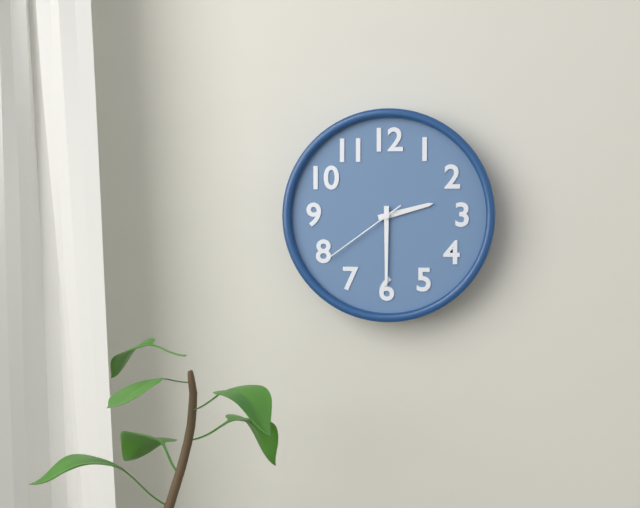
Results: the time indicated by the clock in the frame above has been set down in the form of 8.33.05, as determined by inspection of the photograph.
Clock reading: 2.30.39
